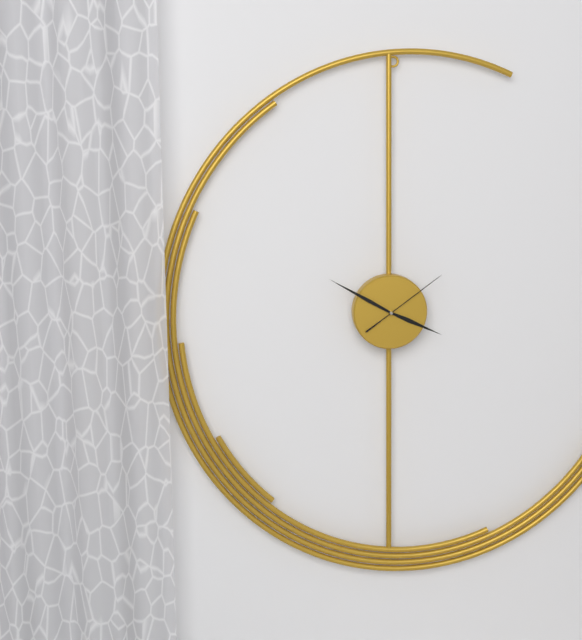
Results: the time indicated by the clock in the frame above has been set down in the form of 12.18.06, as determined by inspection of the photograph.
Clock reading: 3.50.09
